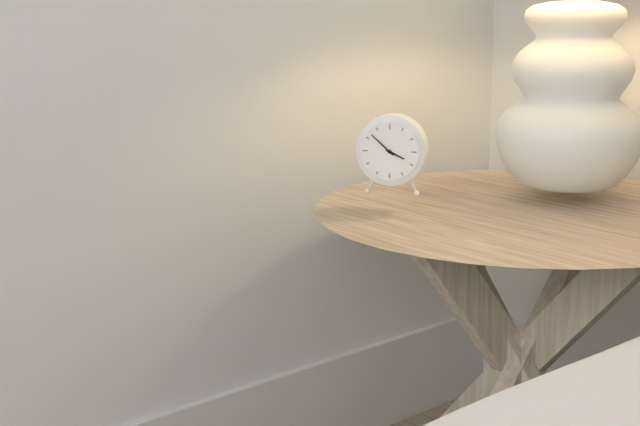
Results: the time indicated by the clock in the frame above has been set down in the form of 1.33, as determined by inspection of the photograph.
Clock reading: 3.52
